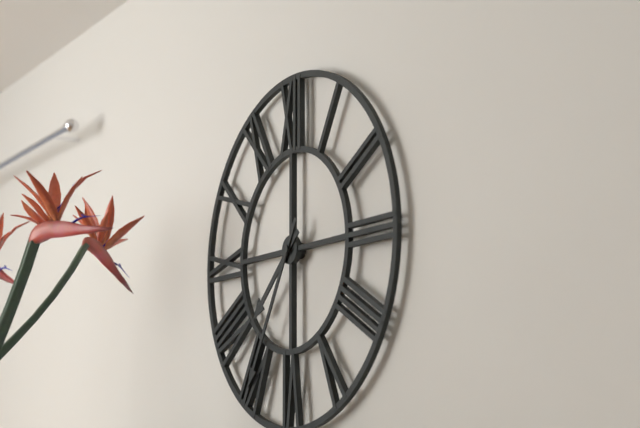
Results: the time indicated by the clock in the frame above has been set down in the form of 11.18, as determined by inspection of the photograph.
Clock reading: 7.35
